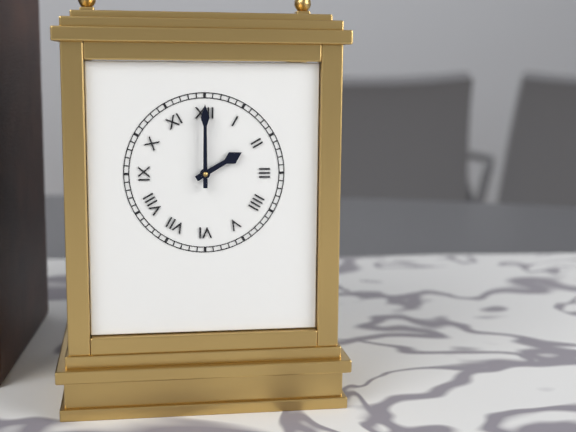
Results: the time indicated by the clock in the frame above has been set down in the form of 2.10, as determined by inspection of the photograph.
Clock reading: 2.00
